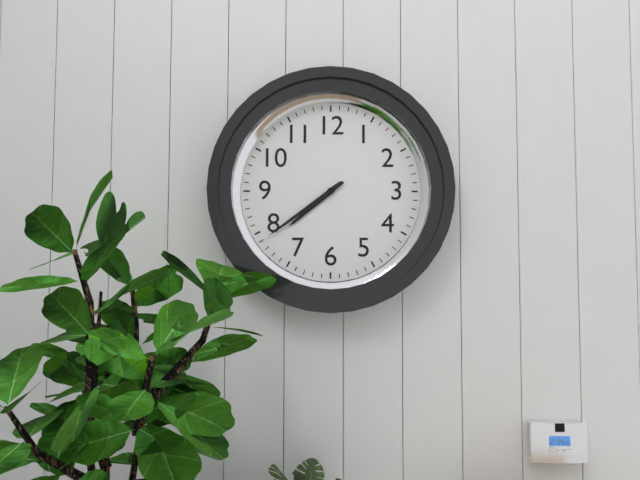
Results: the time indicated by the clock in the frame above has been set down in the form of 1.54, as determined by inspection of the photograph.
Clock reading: 7.39
